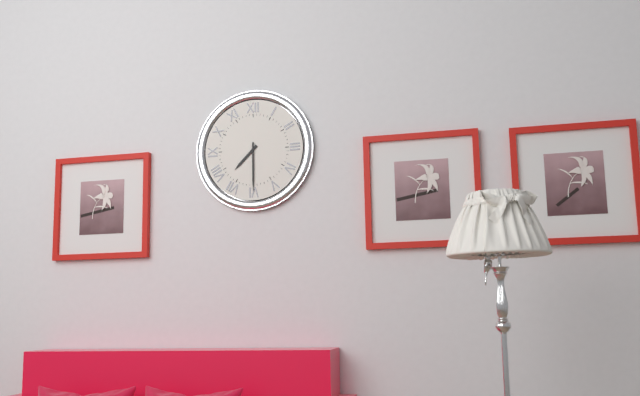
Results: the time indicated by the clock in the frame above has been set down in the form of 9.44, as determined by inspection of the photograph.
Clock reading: 7.30
